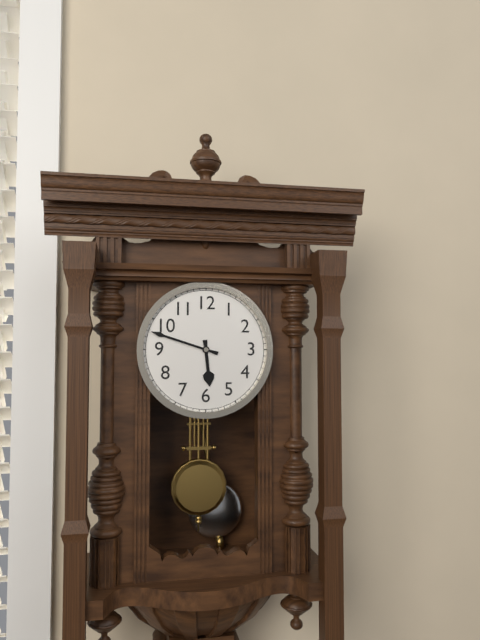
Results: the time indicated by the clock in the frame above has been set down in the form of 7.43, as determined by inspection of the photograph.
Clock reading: 5.48
